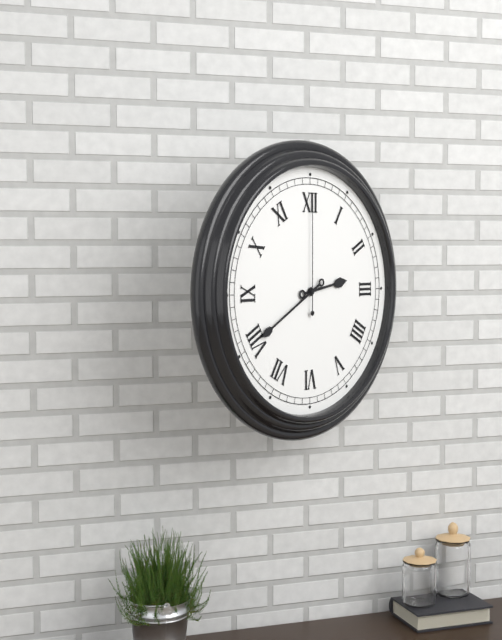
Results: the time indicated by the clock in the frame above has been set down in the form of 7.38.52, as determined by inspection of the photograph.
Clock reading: 2.40.00
